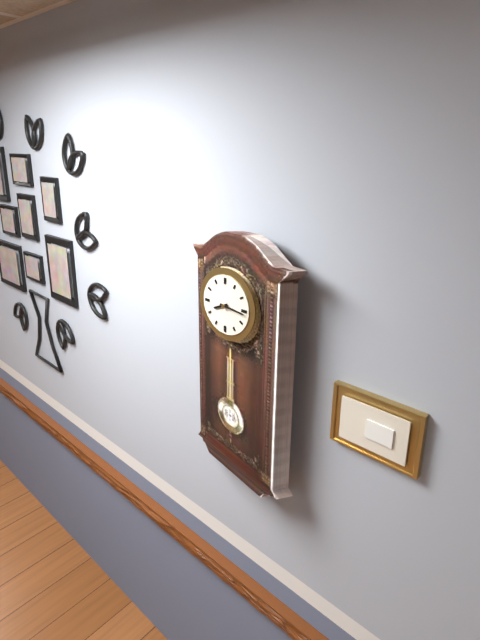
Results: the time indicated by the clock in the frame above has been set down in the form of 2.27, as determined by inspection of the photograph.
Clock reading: 8.16
